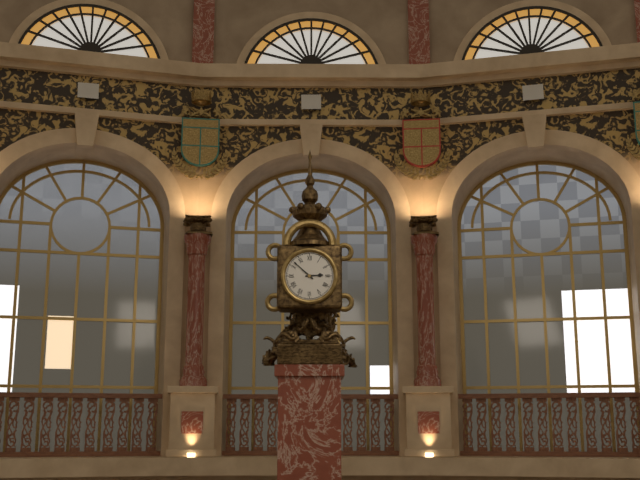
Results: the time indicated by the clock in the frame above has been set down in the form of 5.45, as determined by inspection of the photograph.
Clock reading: 2.52
